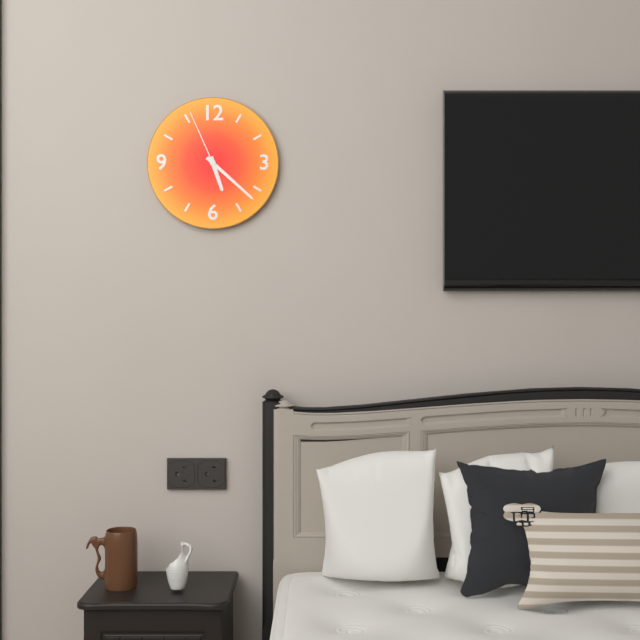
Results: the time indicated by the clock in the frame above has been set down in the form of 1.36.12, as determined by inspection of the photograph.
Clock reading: 5.22.56
